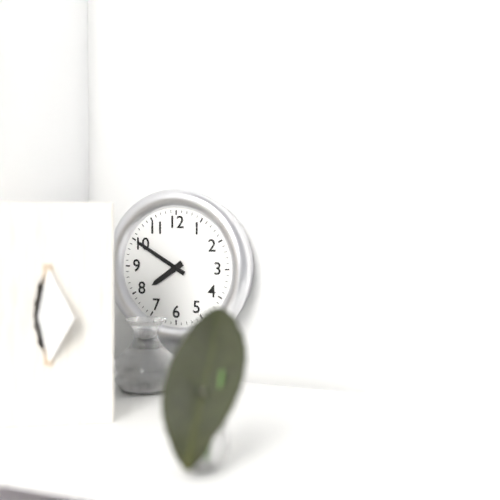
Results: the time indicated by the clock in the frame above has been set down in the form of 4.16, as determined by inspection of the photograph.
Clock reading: 7.50
